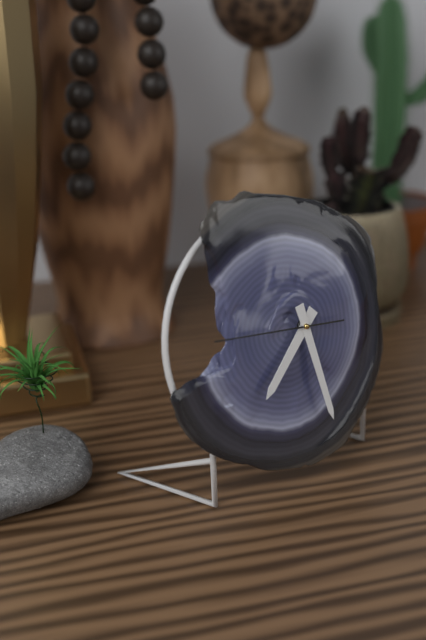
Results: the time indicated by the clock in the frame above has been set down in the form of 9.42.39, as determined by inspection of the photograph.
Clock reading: 7.28.46
